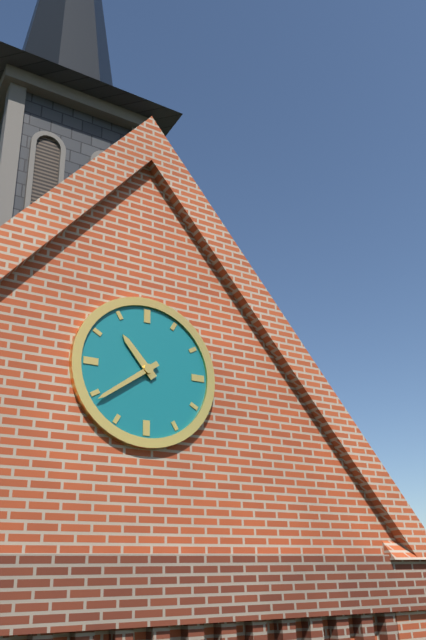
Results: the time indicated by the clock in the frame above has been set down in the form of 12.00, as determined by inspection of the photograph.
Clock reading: 10.39
